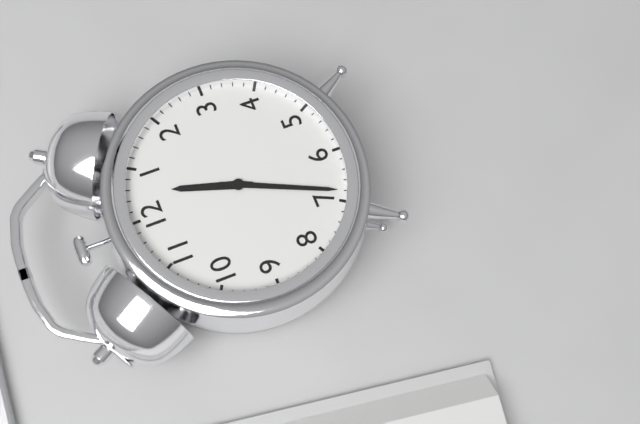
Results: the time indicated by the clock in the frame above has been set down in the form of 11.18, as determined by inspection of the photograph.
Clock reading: 12.34
